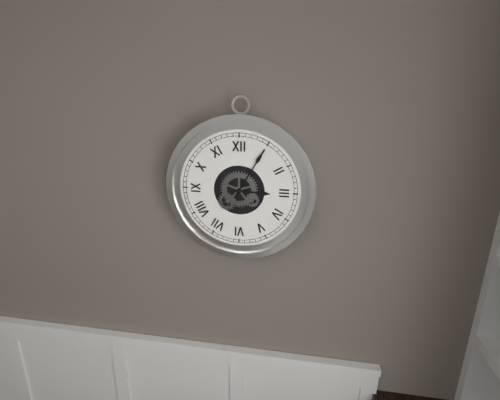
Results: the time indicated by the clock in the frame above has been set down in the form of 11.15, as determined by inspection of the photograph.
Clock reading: 3.05
